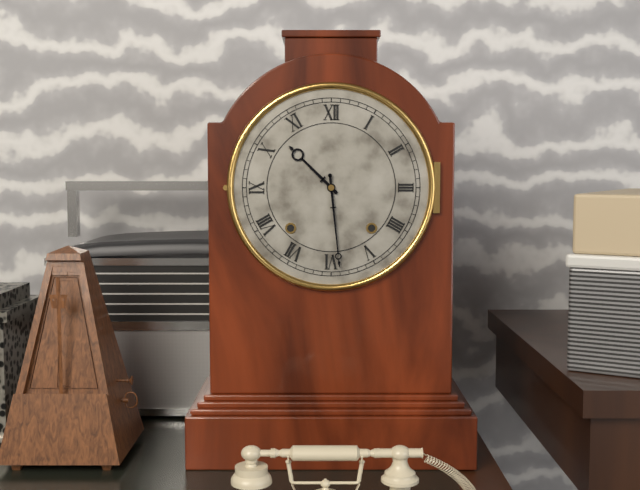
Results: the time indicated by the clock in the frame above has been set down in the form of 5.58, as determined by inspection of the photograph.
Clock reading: 10.29
